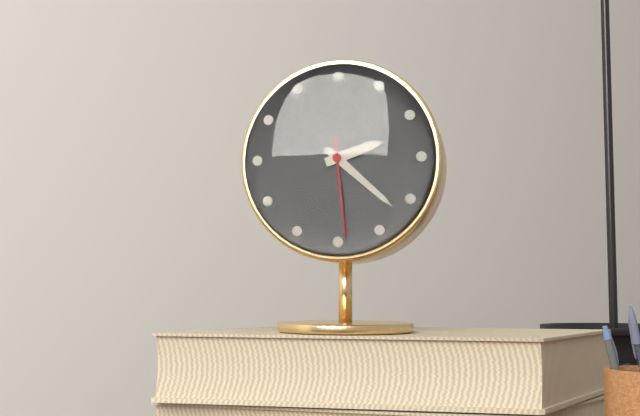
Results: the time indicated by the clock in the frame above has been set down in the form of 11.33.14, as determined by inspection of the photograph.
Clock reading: 2.22.29
